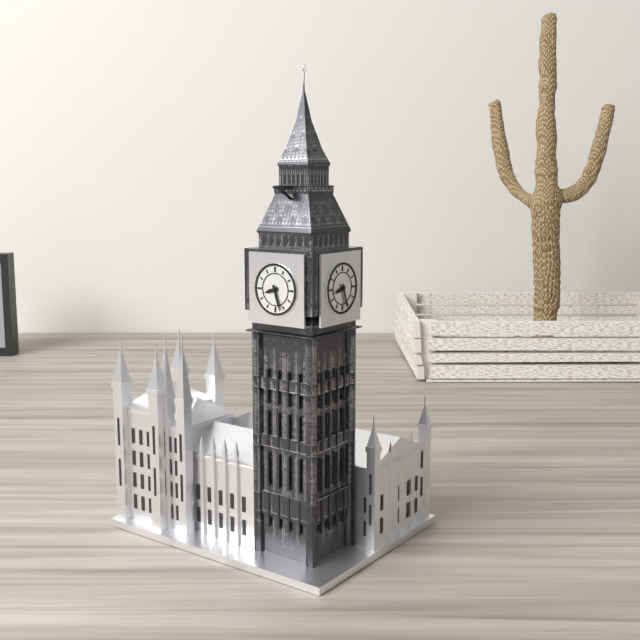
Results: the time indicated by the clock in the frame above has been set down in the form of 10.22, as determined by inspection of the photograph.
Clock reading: 8.27
